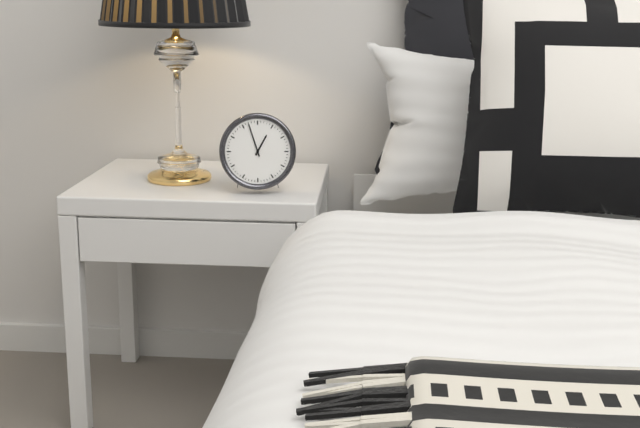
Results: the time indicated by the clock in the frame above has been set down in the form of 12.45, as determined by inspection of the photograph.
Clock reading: 12.57
